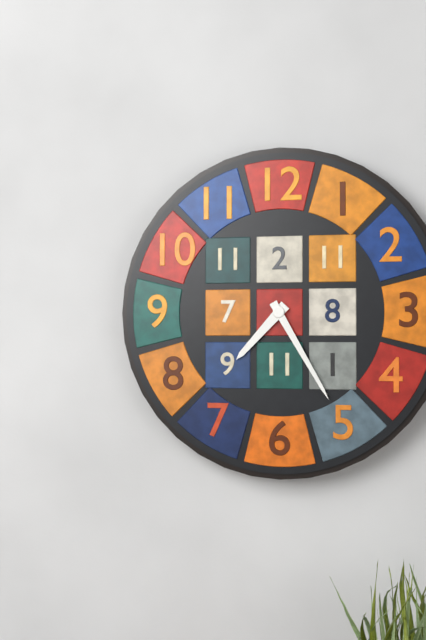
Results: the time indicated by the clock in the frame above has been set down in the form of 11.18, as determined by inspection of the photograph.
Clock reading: 7.25
